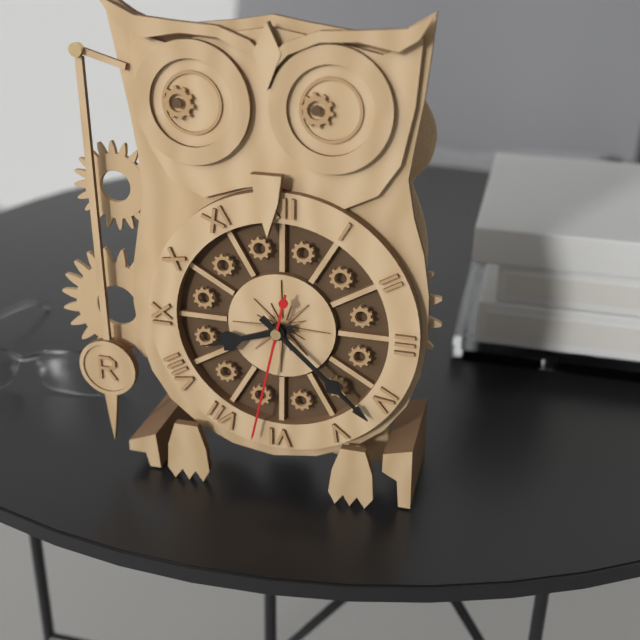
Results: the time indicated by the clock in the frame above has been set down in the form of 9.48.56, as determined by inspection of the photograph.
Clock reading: 8.22.32
